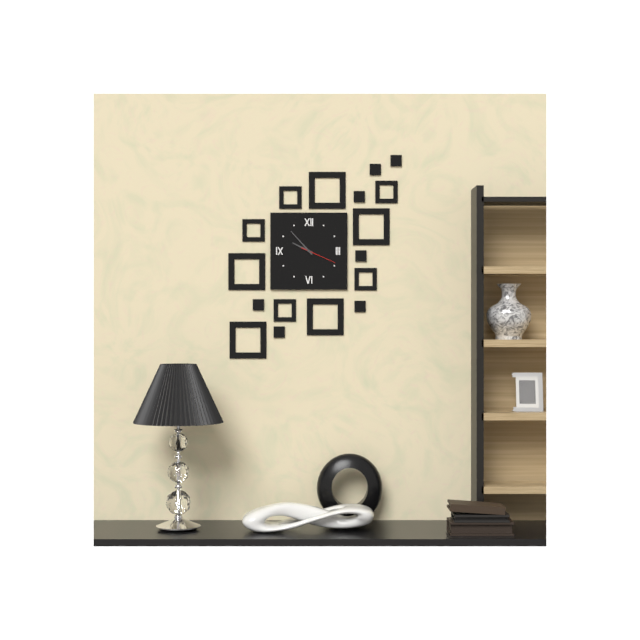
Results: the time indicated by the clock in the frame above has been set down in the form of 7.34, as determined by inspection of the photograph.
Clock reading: 9.53
